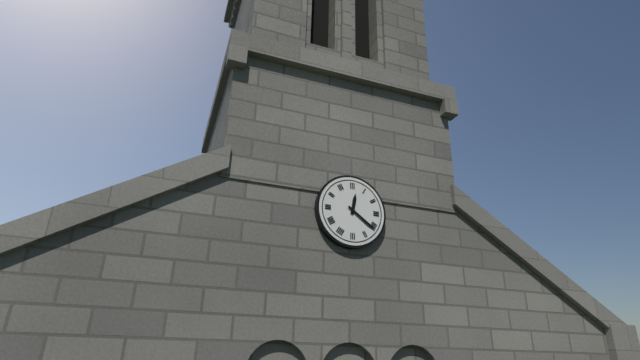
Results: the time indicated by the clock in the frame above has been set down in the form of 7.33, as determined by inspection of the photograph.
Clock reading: 12.21
